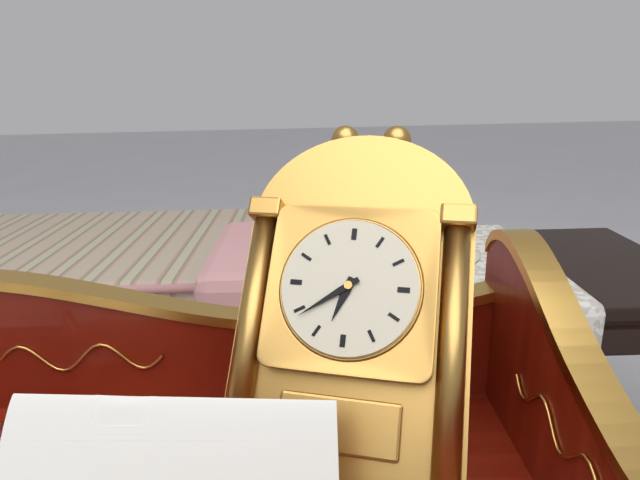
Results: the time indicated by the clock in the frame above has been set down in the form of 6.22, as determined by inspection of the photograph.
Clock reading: 6.39
